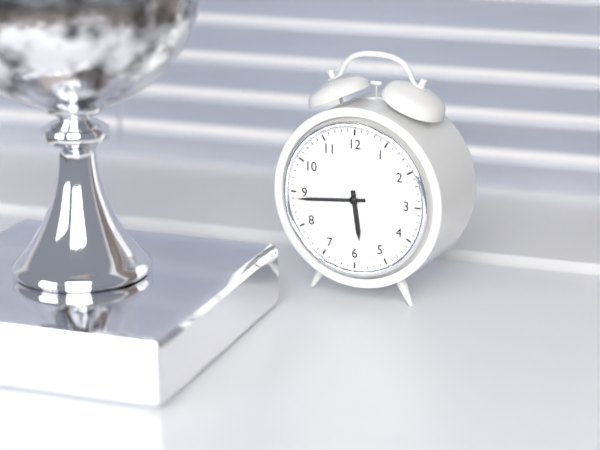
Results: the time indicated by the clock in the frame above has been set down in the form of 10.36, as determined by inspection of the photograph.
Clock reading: 5.44
